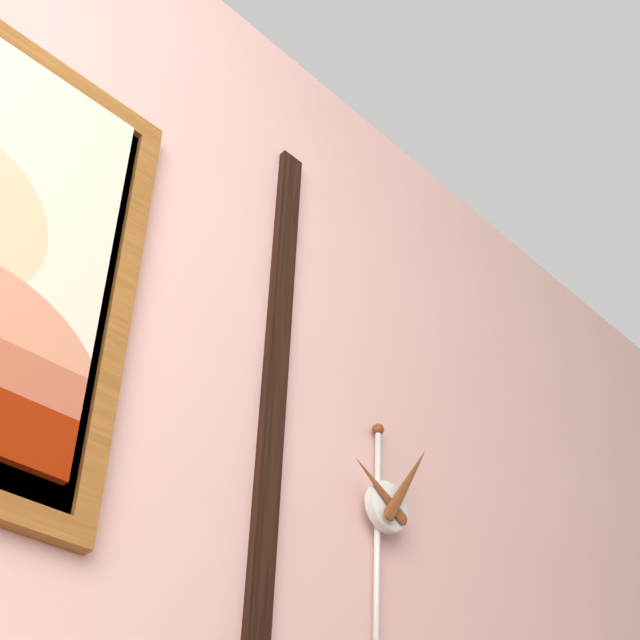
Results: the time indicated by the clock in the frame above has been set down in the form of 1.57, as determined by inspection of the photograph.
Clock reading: 10.05
